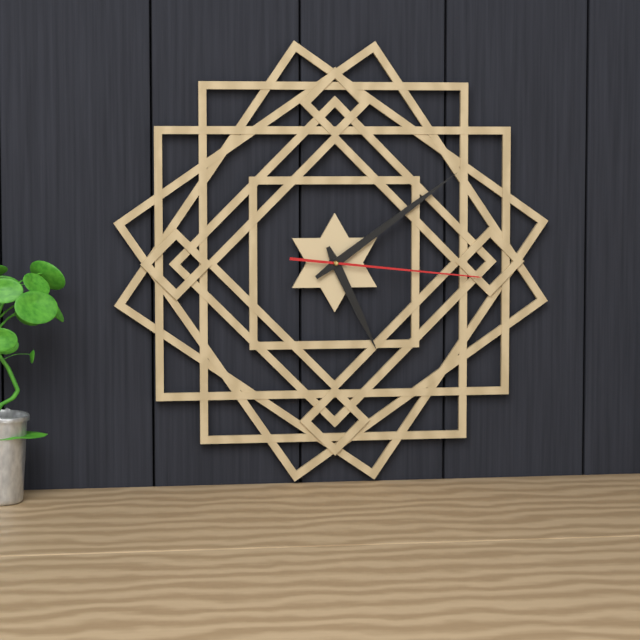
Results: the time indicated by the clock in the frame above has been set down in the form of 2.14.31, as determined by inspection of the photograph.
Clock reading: 5.09.16
